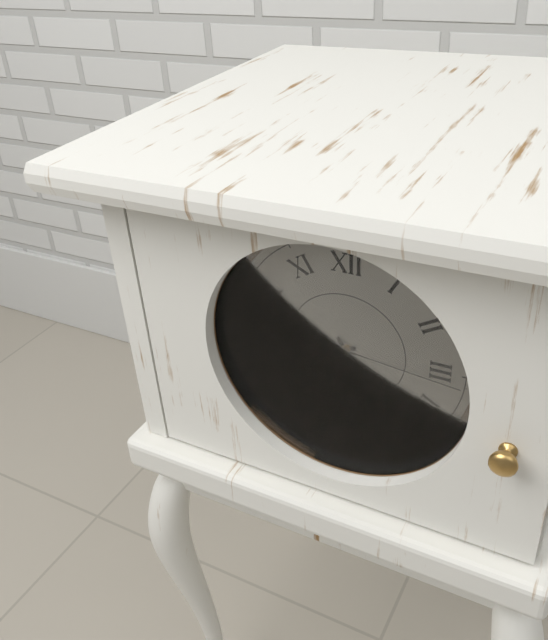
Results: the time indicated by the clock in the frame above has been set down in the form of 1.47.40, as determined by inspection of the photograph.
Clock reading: 8.24.16
